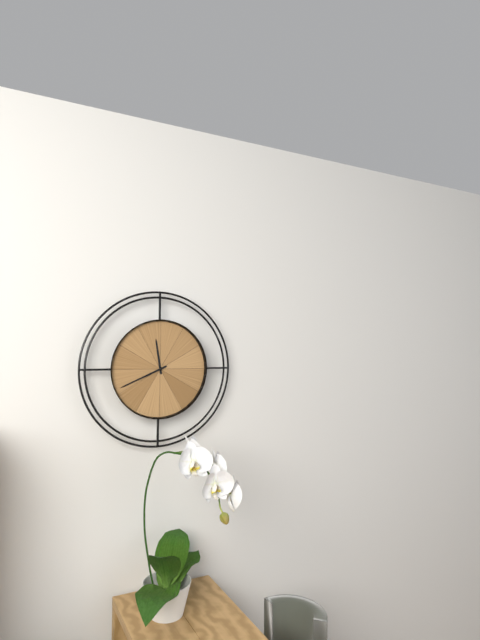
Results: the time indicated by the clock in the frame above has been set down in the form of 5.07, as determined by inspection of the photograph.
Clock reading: 11.41
